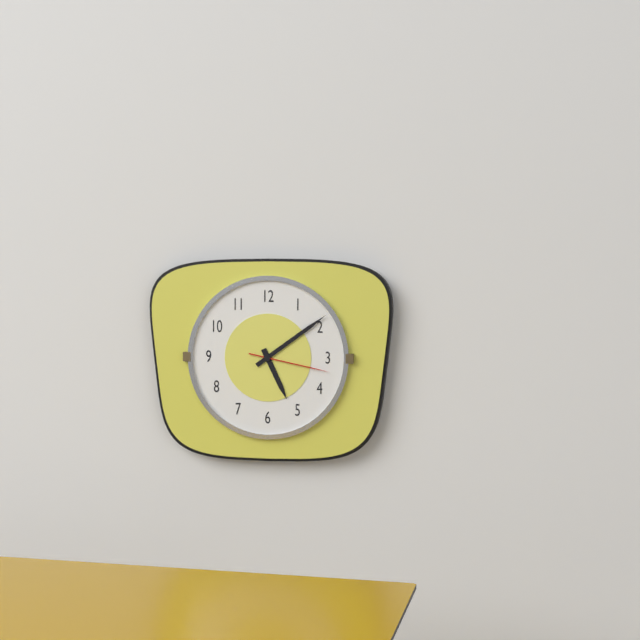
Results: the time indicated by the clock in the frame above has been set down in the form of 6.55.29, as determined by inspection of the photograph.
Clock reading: 5.09.17
